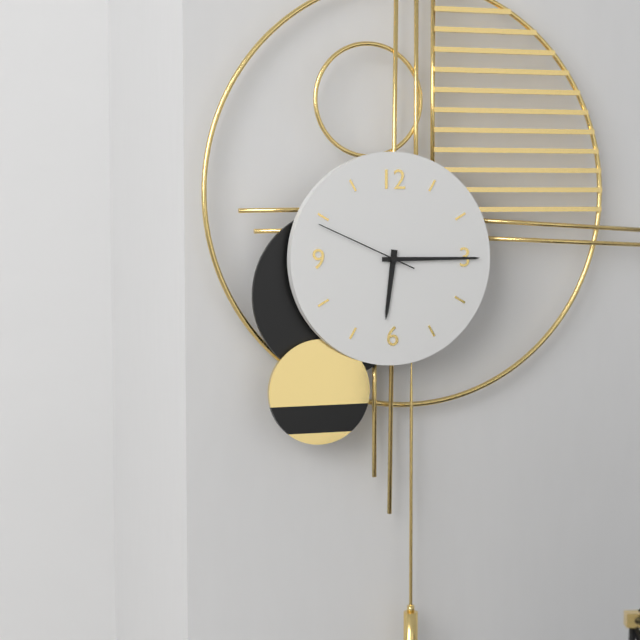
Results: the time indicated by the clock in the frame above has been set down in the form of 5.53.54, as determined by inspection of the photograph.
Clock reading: 6.15.49
